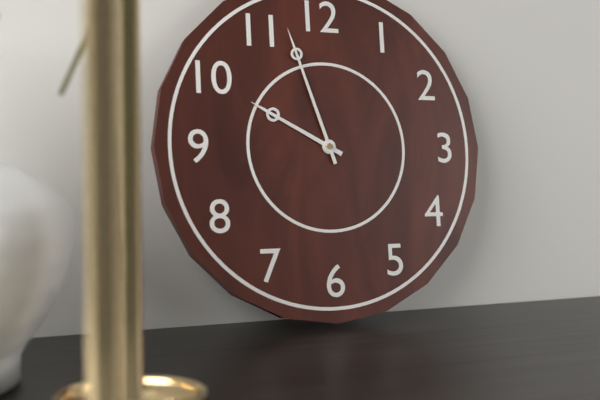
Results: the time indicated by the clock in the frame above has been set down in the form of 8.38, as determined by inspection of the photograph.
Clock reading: 9.57
